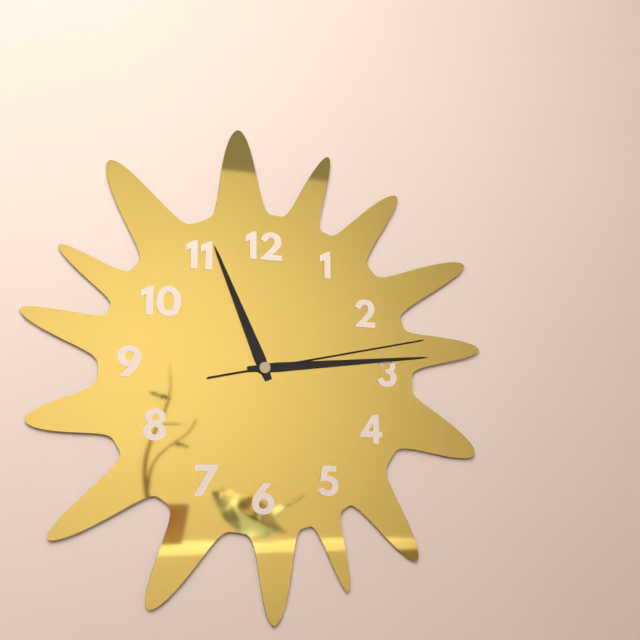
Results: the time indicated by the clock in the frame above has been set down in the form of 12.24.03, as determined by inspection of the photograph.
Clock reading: 11.14.13
